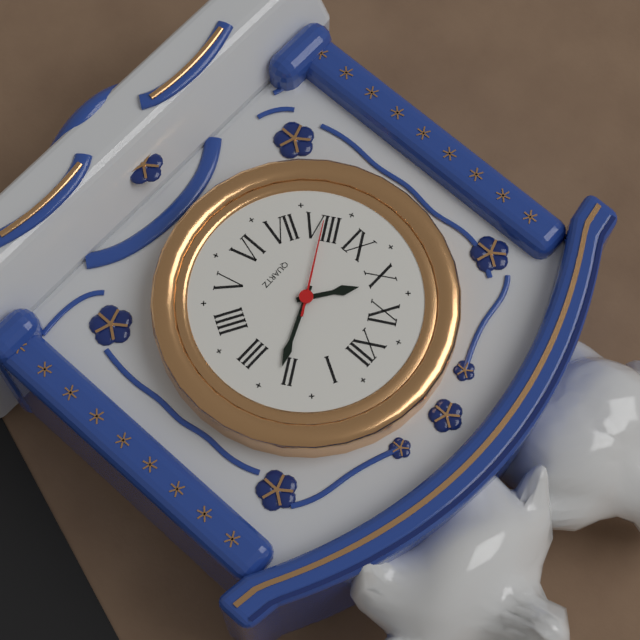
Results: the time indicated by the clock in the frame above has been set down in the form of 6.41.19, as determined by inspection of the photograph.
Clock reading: 10.11.40
